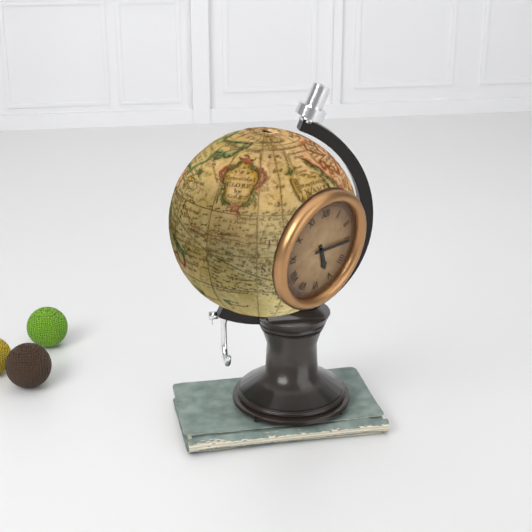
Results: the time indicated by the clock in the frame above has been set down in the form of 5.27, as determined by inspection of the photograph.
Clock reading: 5.15
